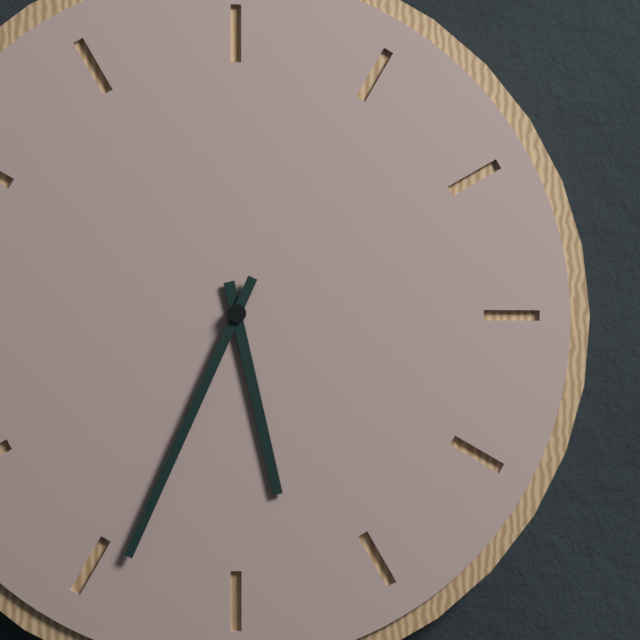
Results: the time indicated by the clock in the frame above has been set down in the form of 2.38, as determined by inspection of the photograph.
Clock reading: 5.34
